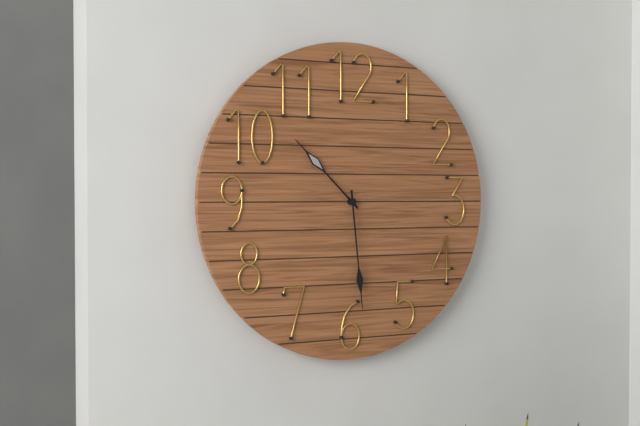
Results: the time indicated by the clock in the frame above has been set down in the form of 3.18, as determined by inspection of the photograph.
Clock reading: 10.29
